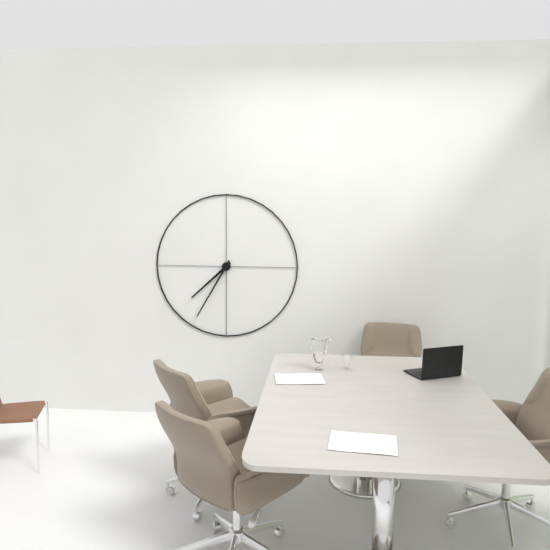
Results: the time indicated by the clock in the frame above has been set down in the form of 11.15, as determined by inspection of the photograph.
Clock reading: 7.35
